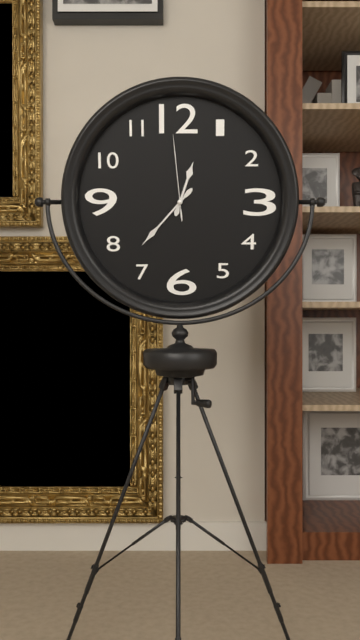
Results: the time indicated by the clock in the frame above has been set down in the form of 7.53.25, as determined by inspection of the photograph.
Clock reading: 12.37.59
